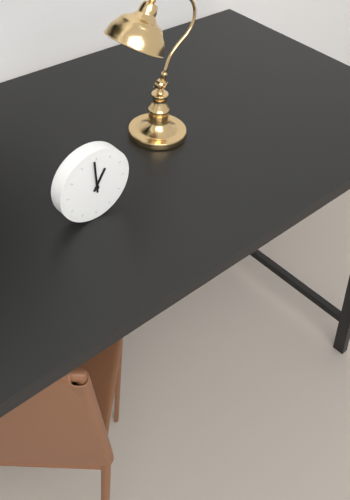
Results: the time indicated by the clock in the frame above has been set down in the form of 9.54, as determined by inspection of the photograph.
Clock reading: 12.59
